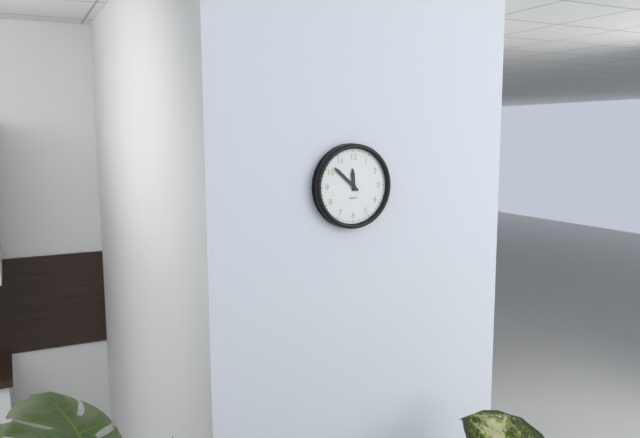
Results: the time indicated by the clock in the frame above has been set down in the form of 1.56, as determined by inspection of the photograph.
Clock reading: 11.52
